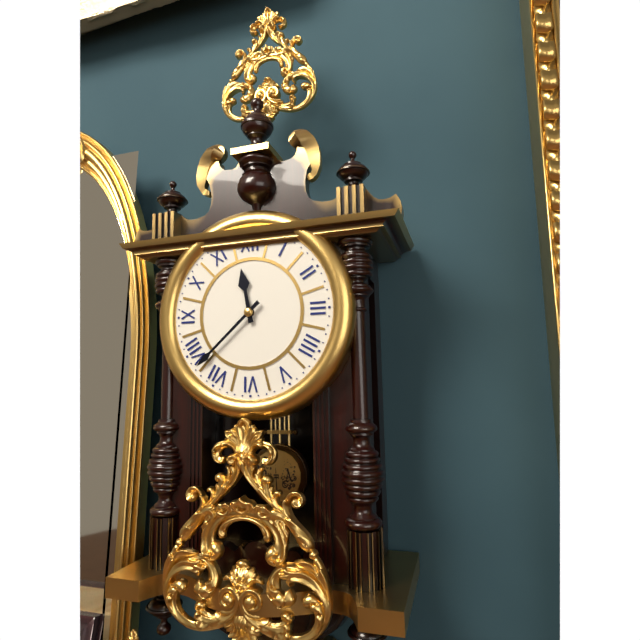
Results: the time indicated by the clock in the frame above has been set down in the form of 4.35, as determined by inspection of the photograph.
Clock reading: 11.38
